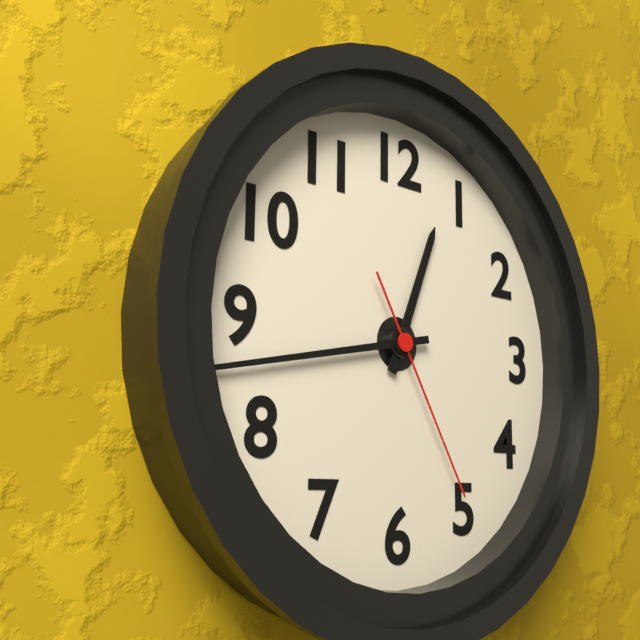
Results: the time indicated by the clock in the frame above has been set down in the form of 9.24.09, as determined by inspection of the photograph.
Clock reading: 12.43.25
